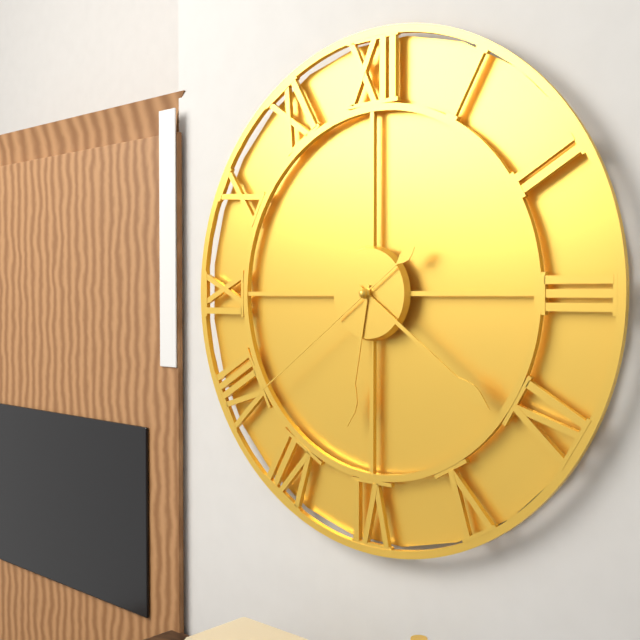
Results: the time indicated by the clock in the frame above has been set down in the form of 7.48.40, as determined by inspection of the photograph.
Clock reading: 6.21.39
